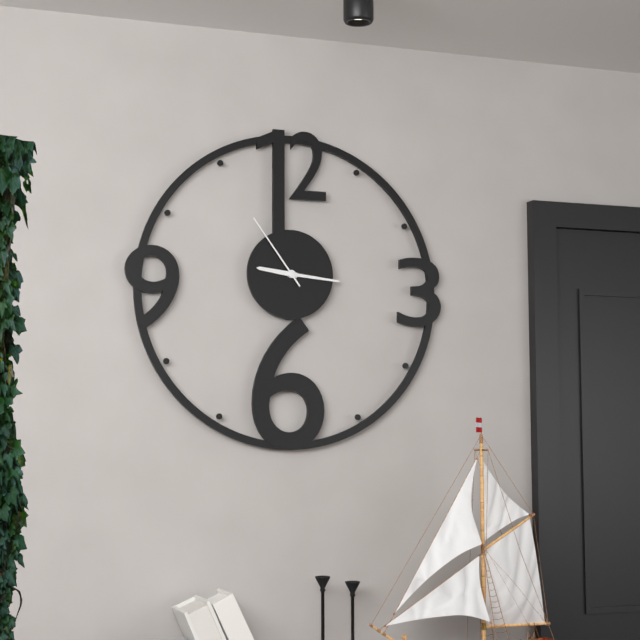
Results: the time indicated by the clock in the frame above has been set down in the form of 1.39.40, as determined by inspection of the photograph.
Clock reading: 9.16.54
